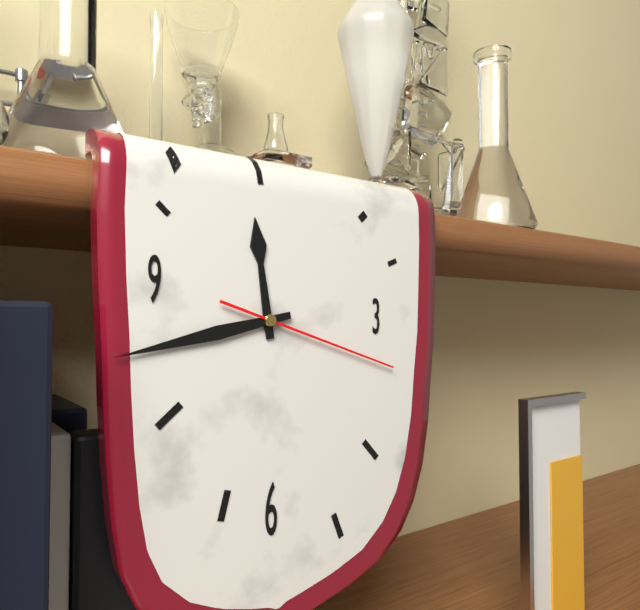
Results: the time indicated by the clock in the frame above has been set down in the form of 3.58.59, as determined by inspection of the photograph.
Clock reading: 11.43.18
